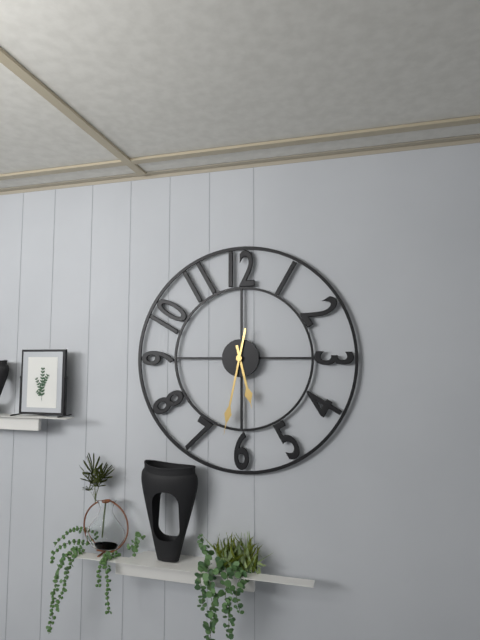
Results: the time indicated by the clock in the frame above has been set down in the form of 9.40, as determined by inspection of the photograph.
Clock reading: 5.32
